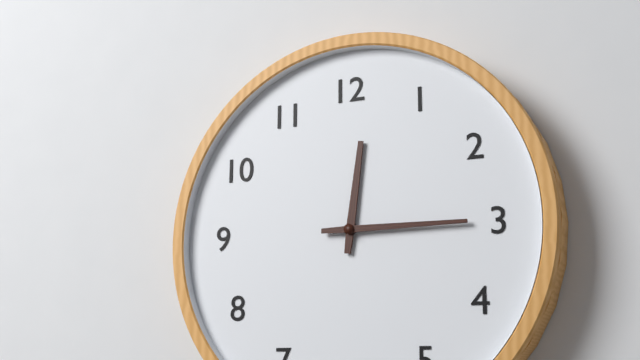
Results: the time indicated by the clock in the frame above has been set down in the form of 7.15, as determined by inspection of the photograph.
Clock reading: 12.15
